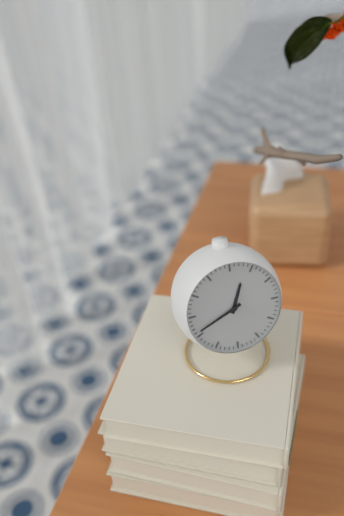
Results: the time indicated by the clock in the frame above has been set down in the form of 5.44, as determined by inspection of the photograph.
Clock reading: 12.41
